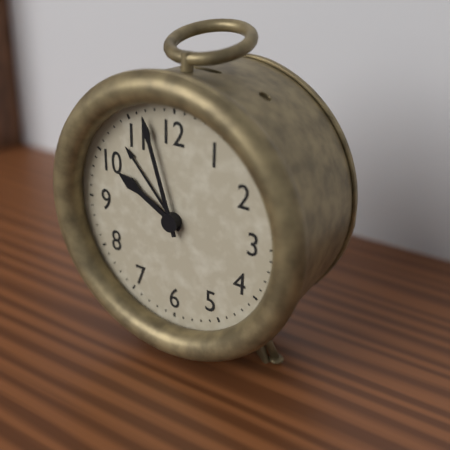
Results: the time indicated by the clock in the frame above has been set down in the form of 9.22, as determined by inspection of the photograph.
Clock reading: 9.57
